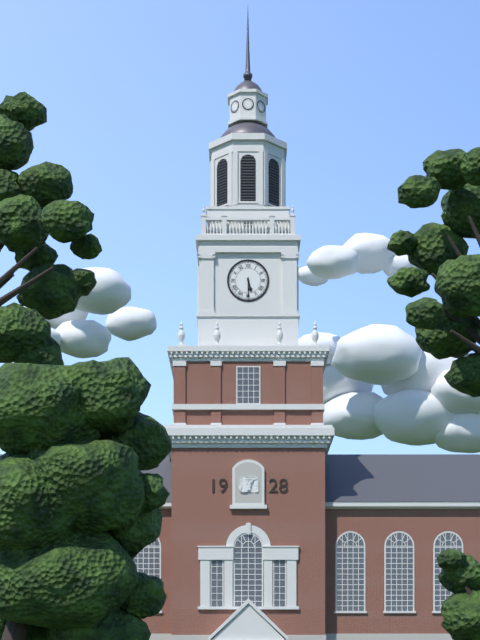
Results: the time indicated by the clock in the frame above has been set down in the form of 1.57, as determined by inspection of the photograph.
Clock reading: 5.30
